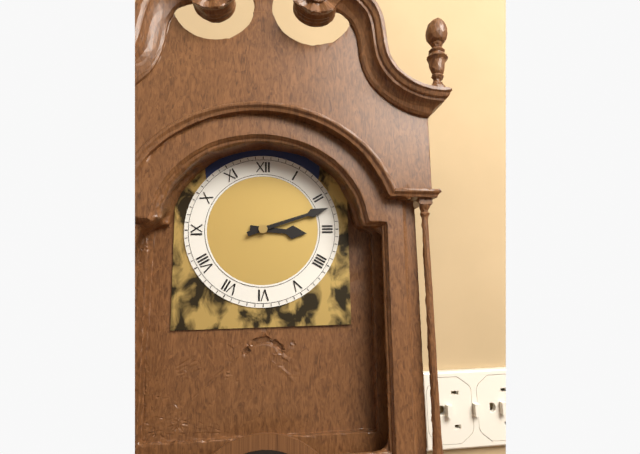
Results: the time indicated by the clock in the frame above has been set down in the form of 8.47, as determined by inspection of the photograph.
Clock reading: 3.12
